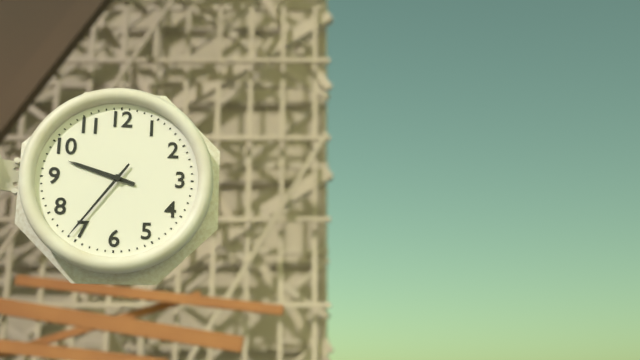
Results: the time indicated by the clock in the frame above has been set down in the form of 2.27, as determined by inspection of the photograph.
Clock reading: 9.36
